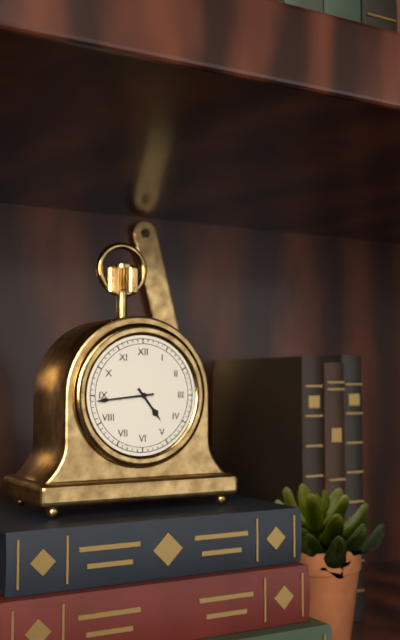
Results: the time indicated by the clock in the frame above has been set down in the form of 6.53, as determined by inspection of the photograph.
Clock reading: 4.44
